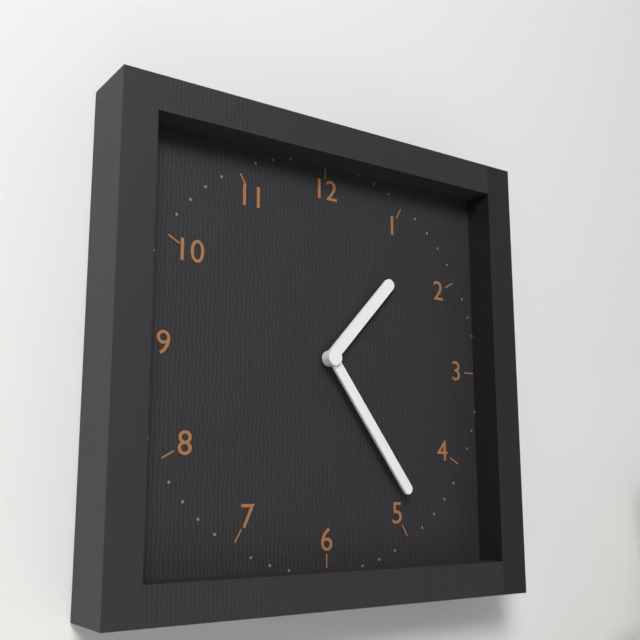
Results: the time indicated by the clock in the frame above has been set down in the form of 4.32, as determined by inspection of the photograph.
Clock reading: 1.24
